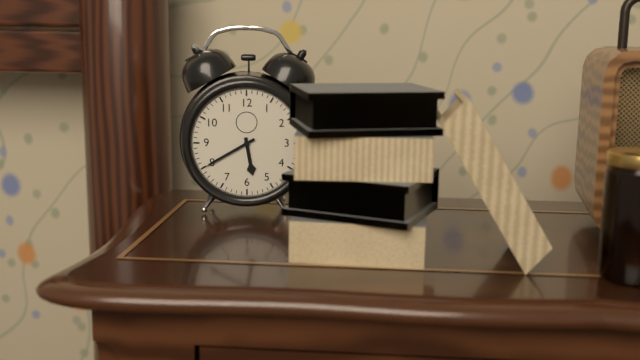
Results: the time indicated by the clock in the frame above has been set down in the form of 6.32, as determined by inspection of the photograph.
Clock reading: 5.40
